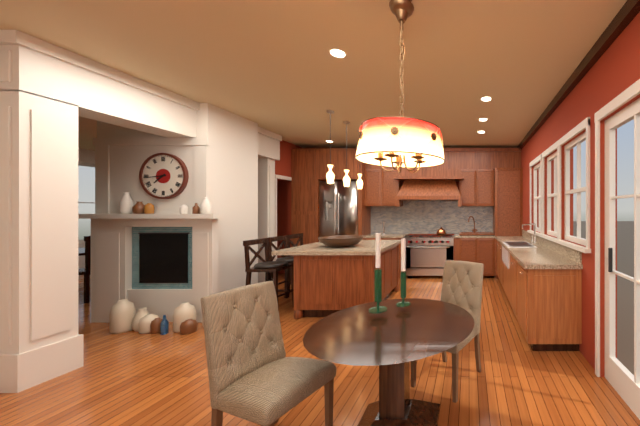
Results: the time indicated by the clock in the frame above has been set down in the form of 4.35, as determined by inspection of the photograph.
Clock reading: 7.44
